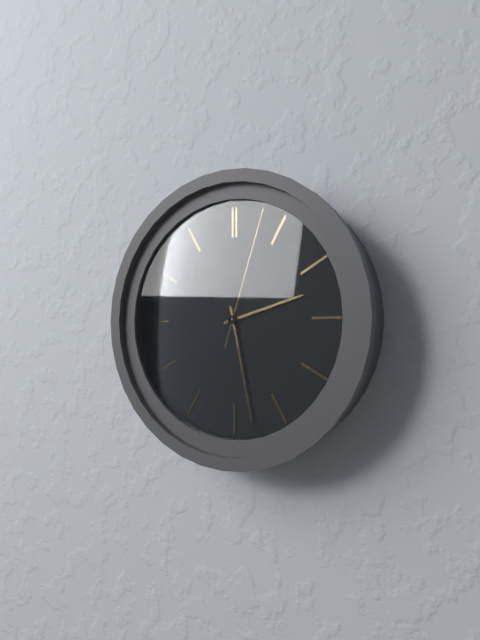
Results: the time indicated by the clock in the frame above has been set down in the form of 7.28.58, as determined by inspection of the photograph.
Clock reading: 2.28.03
